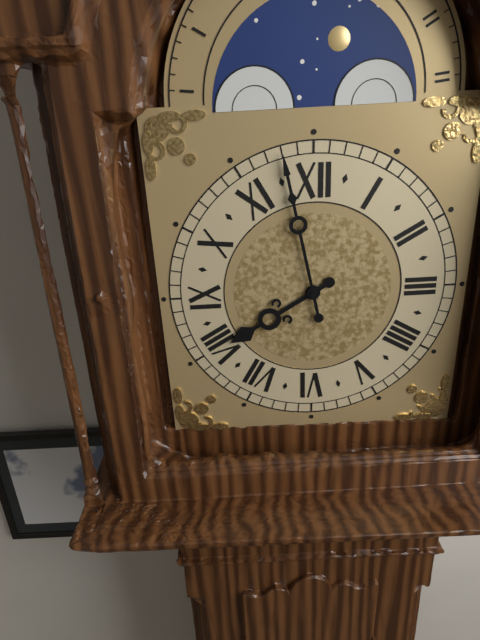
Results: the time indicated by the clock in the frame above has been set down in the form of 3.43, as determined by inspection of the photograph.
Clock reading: 7.58
